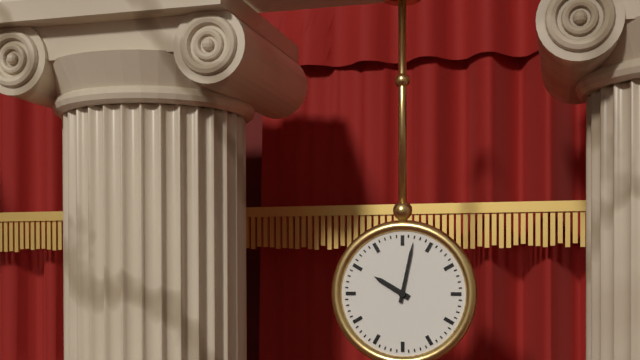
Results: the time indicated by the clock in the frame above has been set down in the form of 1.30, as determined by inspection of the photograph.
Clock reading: 10.02
